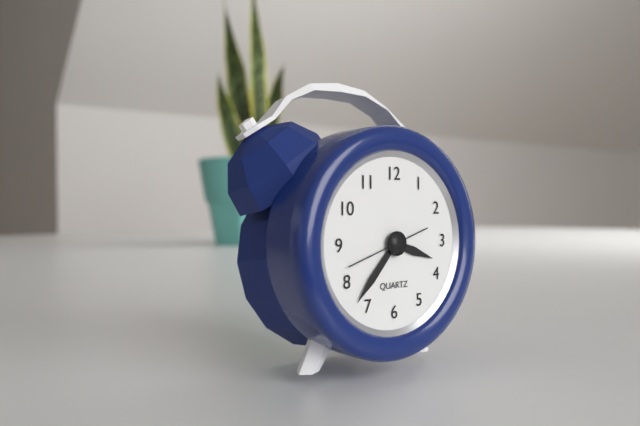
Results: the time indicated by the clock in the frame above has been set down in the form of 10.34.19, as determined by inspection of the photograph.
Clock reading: 3.37.42
